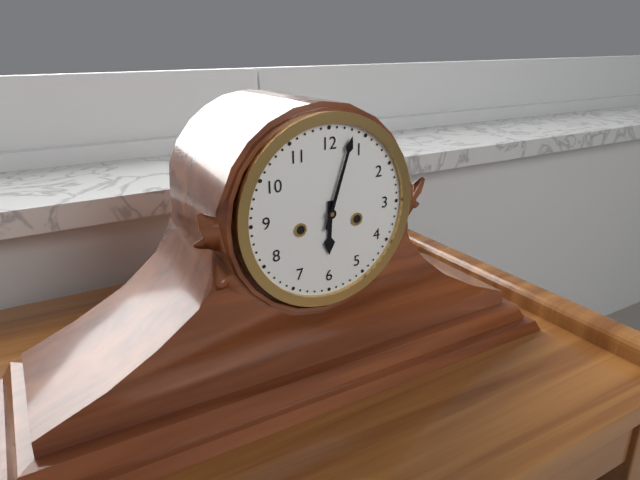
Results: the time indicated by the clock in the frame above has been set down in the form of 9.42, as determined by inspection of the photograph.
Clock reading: 6.03
